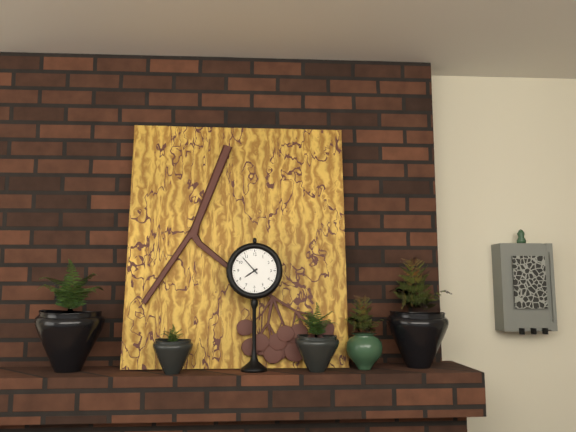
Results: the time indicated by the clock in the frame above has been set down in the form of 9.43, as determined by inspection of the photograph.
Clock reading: 7.53
